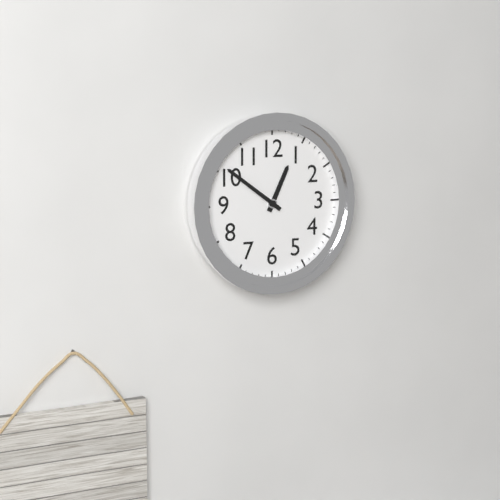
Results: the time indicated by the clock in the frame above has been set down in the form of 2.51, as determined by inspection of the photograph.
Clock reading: 12.51
